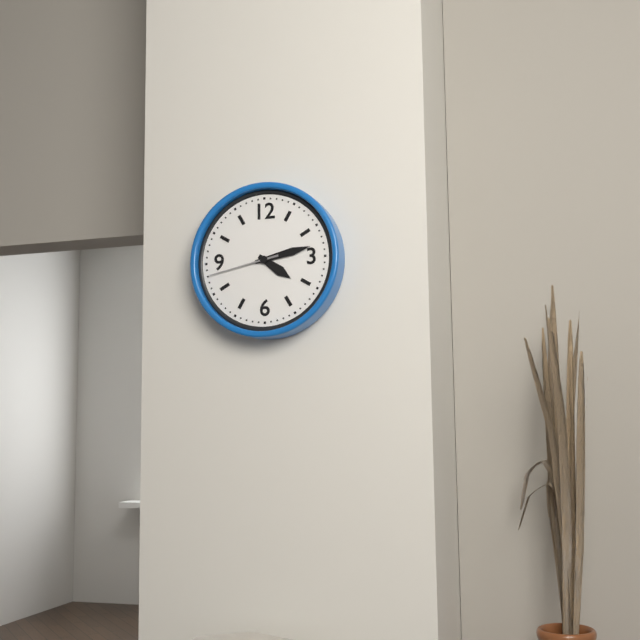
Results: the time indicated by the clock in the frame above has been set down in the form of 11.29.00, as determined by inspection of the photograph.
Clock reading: 4.13.43
